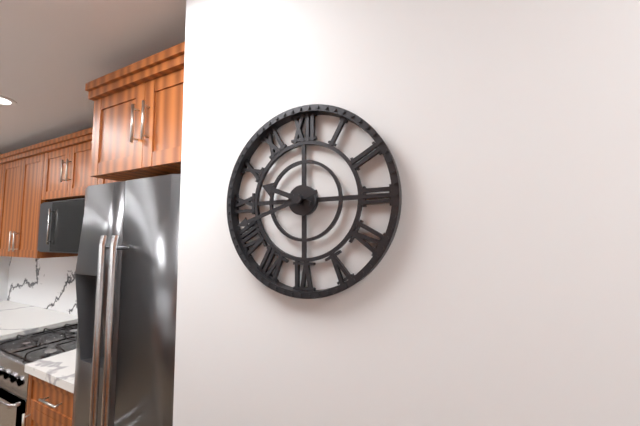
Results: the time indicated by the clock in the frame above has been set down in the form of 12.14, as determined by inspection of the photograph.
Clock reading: 9.42
